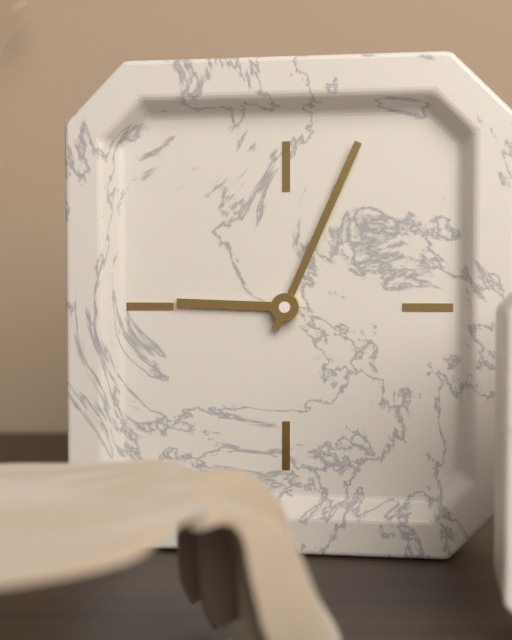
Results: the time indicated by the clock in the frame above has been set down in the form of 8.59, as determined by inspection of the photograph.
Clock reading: 9.04
